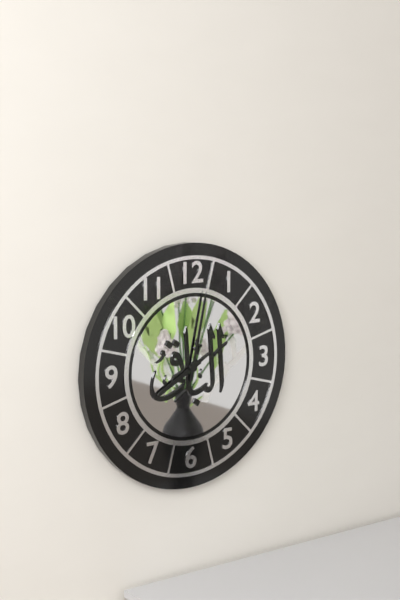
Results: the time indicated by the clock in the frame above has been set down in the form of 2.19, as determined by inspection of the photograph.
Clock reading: 8.02
